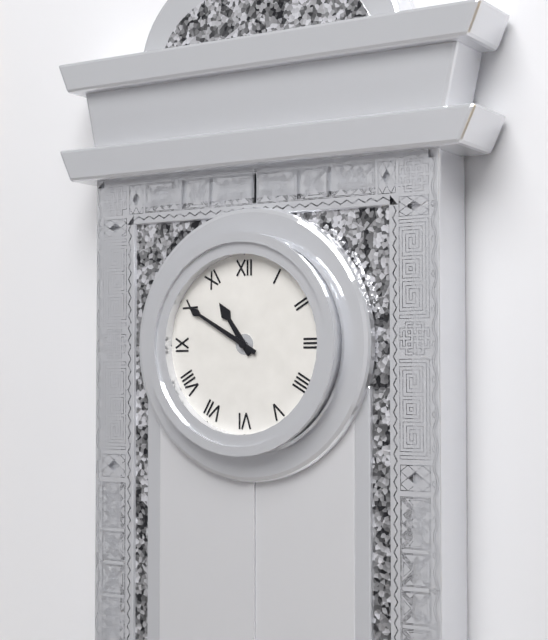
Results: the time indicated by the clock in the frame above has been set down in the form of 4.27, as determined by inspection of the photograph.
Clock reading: 10.50
